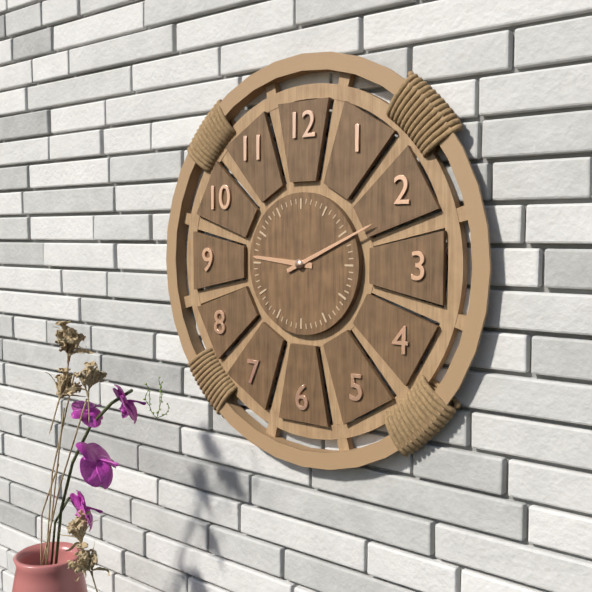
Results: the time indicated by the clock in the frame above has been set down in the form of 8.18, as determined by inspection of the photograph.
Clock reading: 9.11
